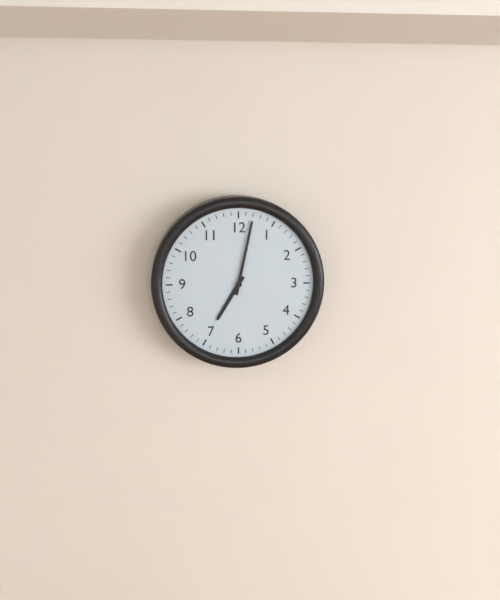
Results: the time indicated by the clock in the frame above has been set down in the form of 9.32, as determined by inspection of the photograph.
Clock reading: 7.02
